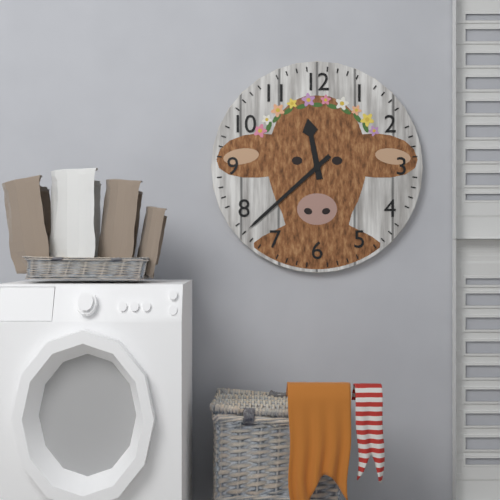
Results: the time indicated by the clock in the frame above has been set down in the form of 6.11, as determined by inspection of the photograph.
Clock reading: 11.38
